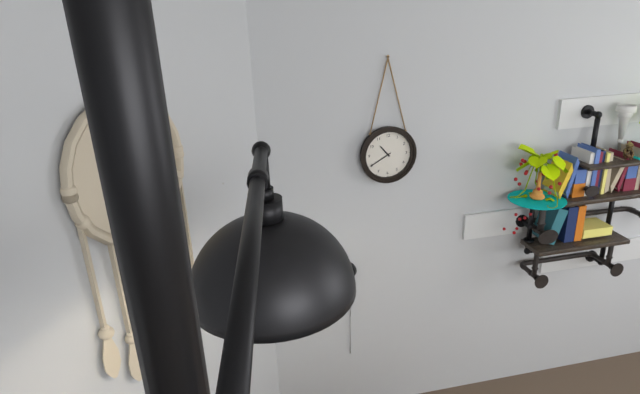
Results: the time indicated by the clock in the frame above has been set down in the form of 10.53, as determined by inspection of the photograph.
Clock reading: 10.40
